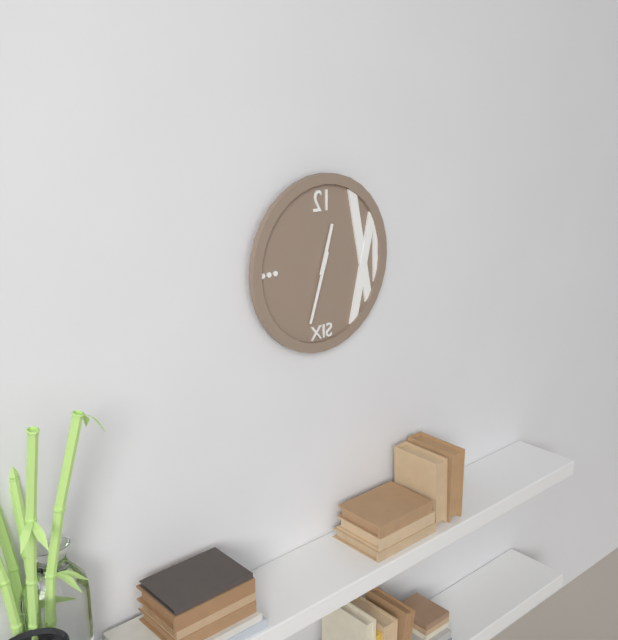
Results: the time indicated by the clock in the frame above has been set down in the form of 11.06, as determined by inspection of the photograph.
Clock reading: 12.33
